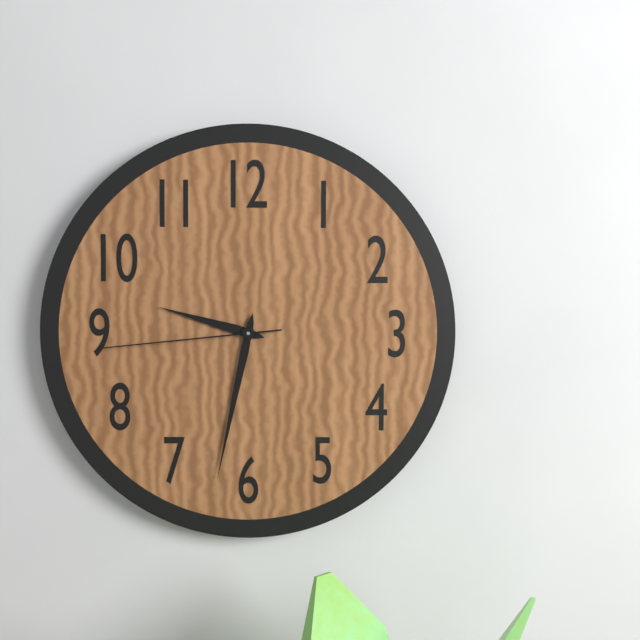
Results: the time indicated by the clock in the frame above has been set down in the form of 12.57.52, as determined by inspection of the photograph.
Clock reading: 9.32.44
